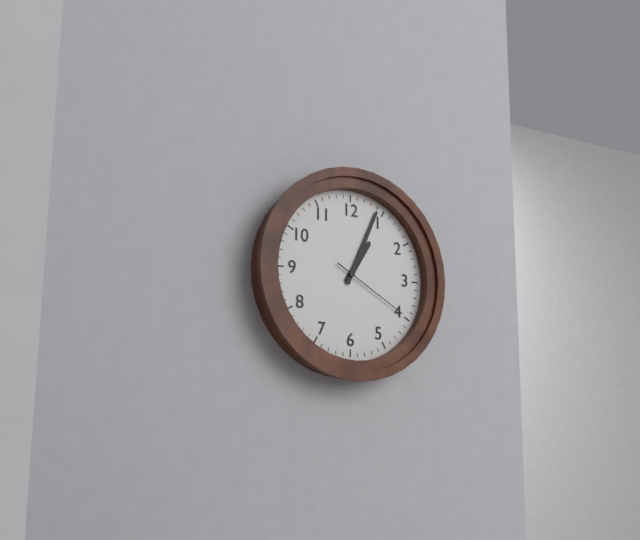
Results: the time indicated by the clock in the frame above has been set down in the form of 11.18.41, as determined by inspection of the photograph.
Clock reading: 1.04.20
